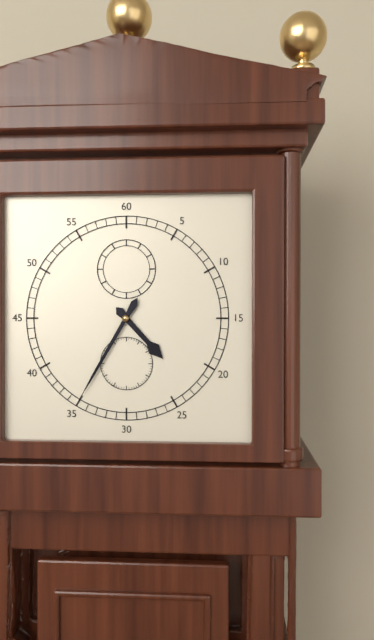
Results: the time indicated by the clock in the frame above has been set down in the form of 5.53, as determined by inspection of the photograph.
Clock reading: 4.35
